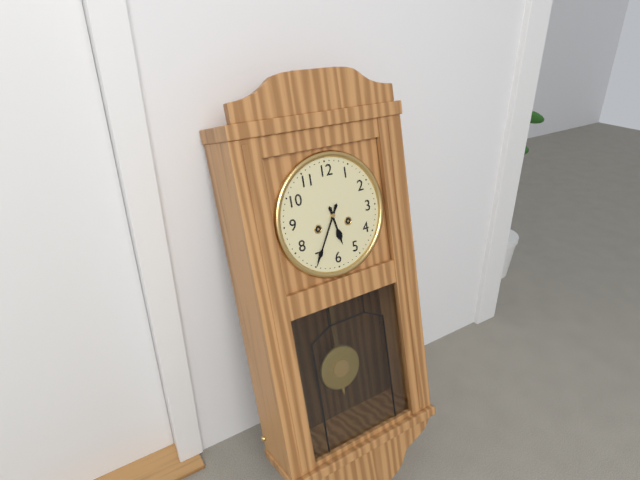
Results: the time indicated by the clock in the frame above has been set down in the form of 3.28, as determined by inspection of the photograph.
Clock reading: 5.35
